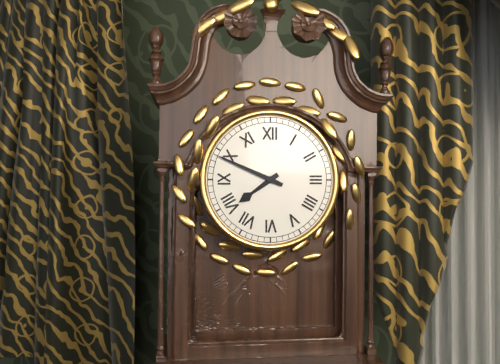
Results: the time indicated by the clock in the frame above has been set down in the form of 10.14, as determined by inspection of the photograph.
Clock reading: 7.49
